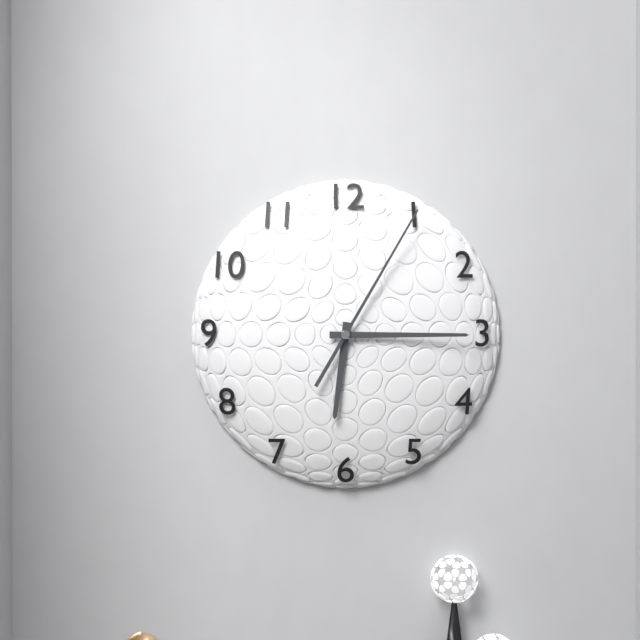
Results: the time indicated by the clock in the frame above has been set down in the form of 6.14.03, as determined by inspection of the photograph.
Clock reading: 6.15.05
